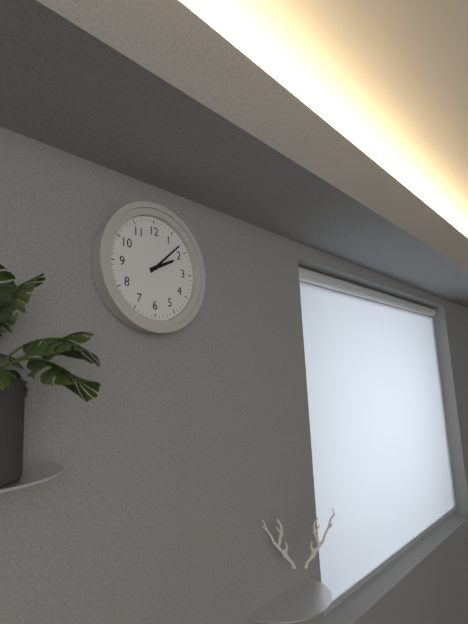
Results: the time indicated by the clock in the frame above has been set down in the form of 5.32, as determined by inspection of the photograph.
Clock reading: 2.08
